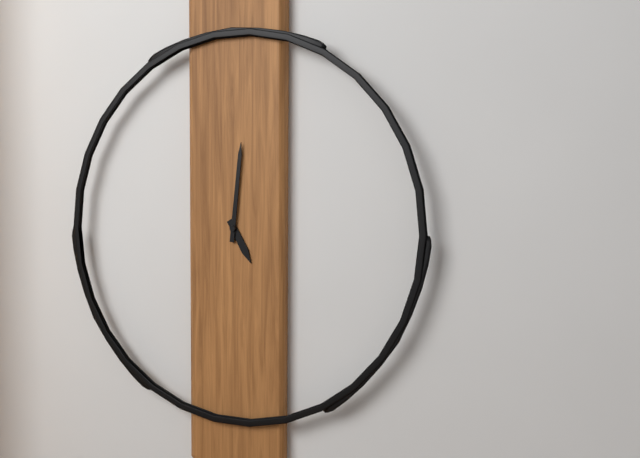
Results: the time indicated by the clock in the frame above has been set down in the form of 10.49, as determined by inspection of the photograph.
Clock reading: 5.01
